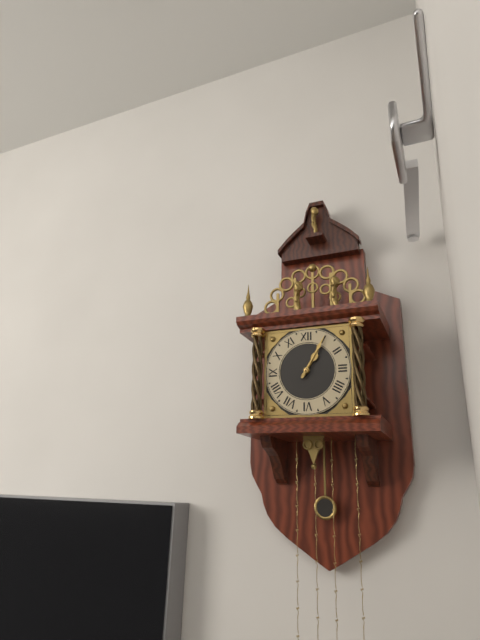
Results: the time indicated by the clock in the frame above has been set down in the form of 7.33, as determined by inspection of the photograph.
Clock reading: 1.05
